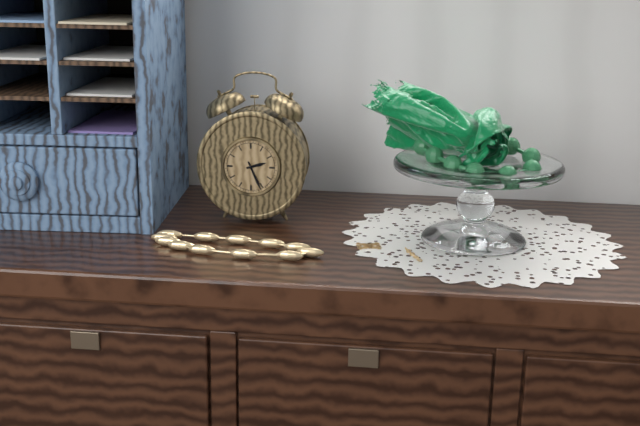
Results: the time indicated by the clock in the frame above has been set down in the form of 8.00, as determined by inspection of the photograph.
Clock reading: 2.26
